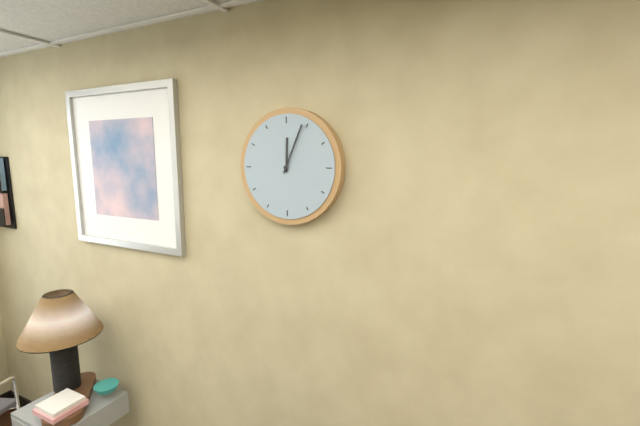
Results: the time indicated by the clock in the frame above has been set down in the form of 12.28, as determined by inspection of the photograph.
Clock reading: 12.04
